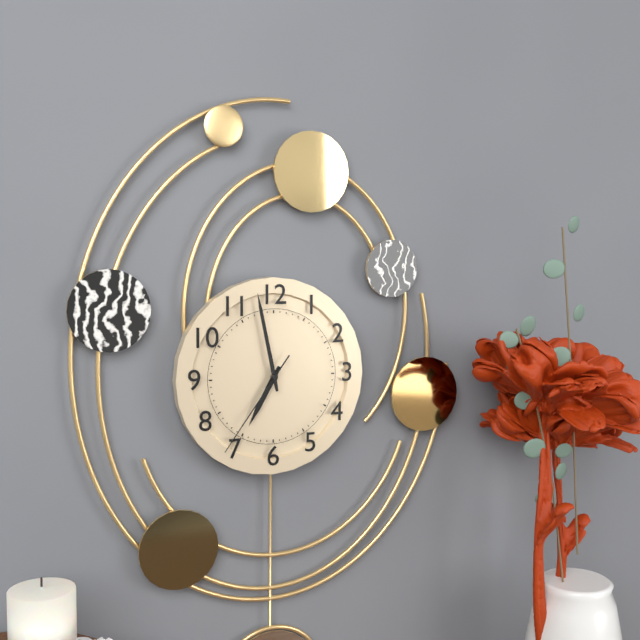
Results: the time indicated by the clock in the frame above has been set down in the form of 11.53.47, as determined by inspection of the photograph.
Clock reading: 6.58.36
